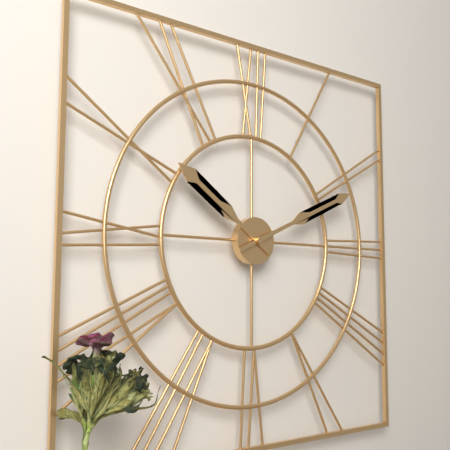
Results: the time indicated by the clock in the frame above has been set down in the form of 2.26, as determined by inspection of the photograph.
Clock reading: 10.11
